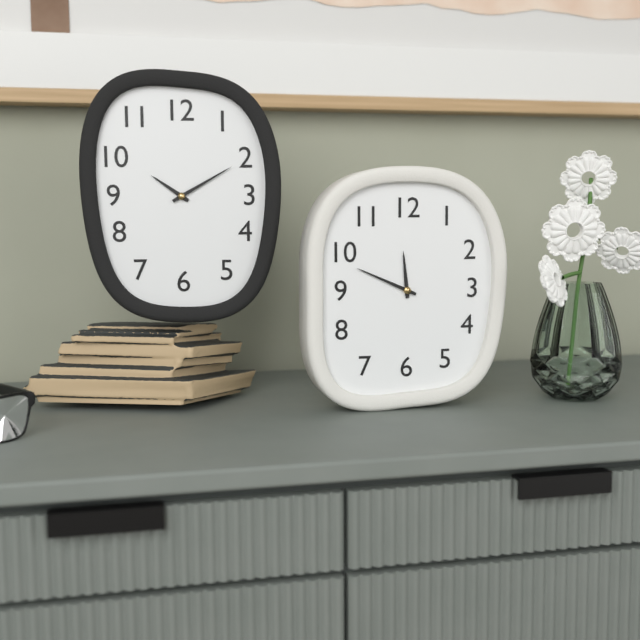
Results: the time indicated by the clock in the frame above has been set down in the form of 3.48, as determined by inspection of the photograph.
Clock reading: 11.49
